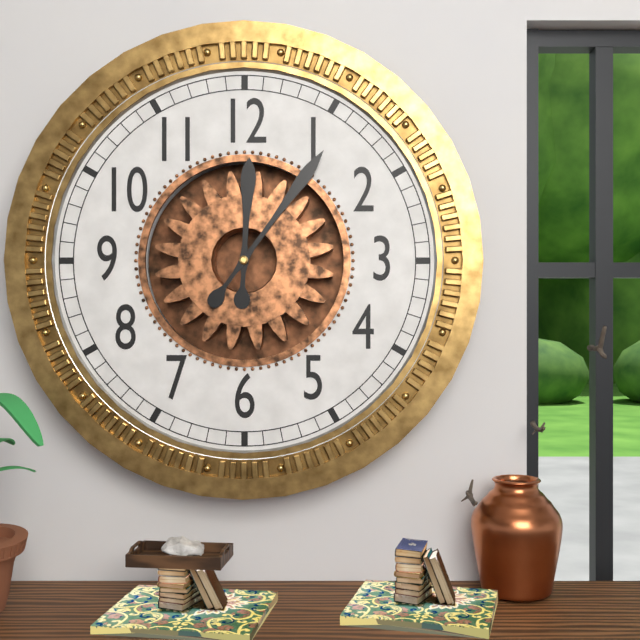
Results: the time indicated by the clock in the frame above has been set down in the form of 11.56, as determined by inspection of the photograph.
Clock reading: 12.06
